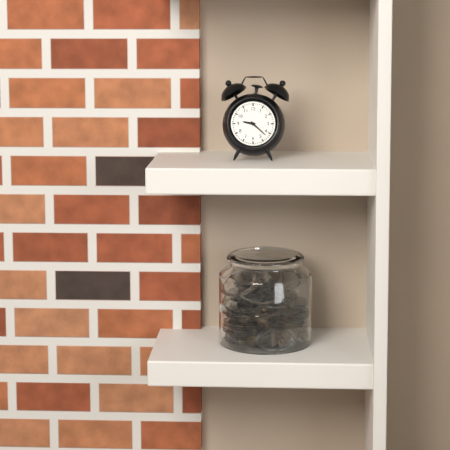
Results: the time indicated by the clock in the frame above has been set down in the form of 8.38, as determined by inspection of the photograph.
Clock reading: 9.22
